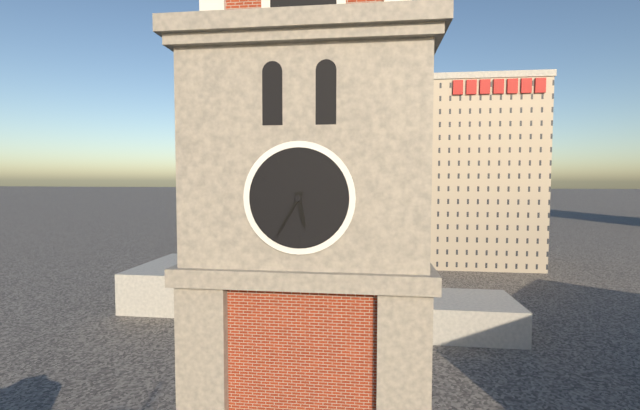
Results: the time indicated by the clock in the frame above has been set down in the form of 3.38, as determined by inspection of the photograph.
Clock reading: 5.35
